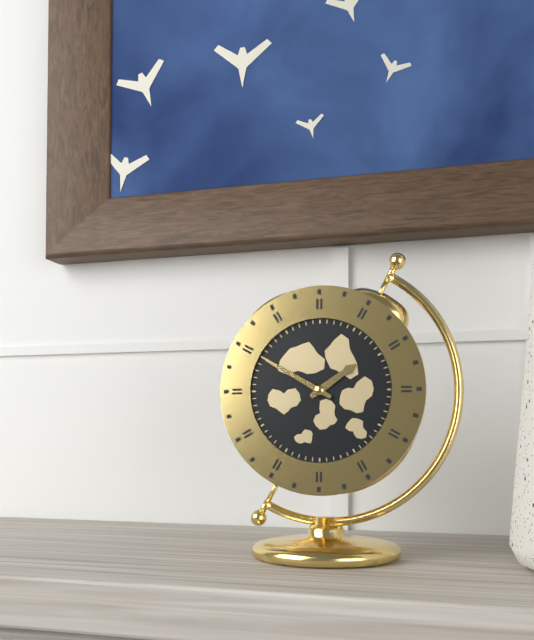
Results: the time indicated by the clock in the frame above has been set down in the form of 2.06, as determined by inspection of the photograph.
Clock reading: 1.50
